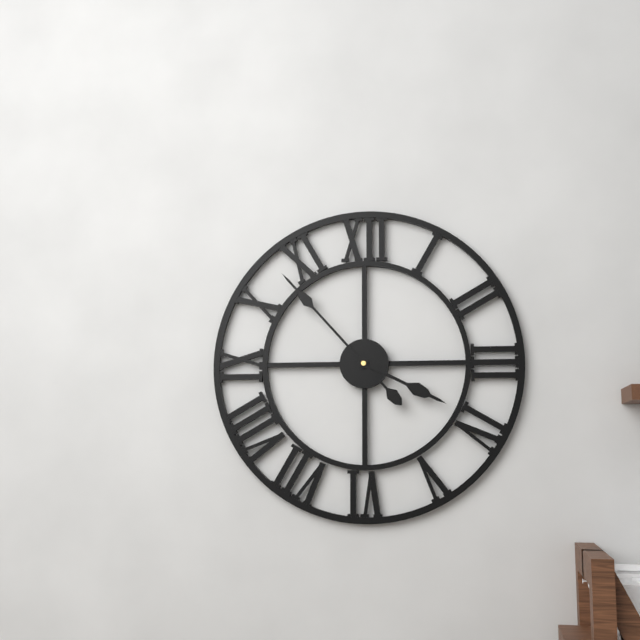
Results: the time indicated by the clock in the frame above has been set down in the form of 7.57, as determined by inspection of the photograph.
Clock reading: 3.53
